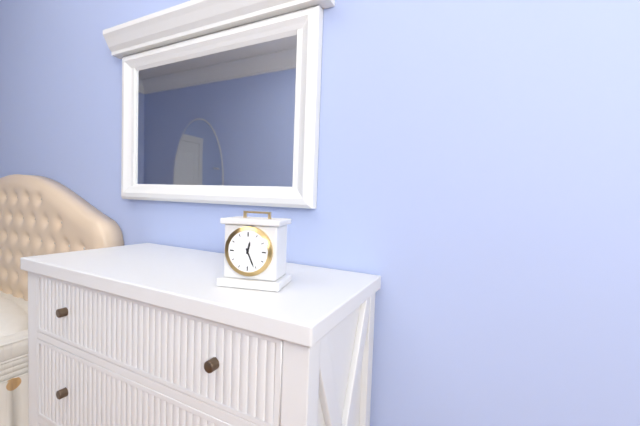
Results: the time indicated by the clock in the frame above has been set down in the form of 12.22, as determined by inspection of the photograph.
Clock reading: 12.26
